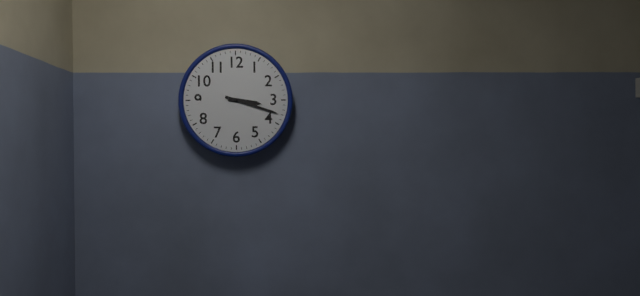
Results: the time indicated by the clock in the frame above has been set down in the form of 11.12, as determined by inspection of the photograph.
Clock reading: 3.18
